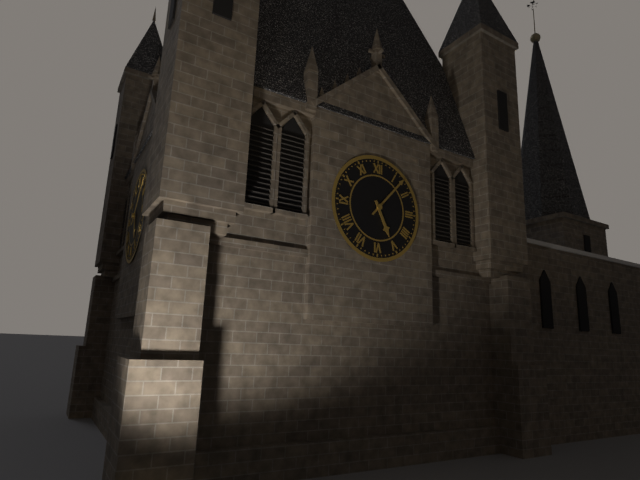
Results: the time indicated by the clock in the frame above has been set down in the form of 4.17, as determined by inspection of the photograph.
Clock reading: 5.07
